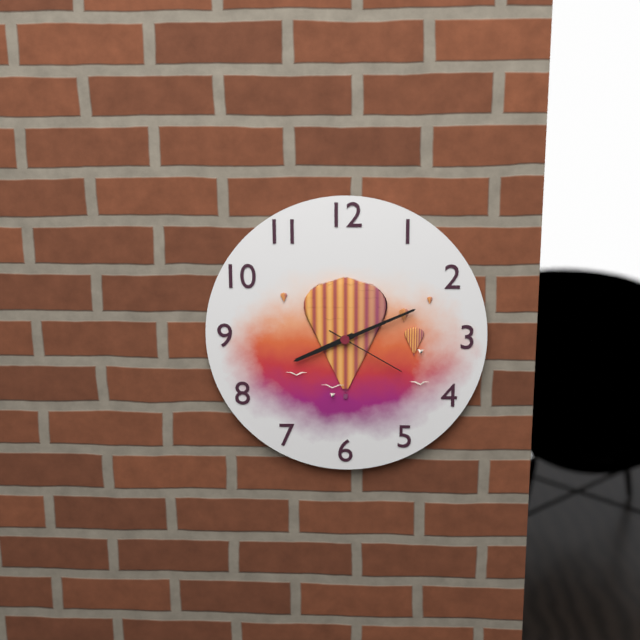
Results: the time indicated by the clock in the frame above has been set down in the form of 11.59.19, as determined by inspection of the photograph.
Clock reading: 8.11.20
